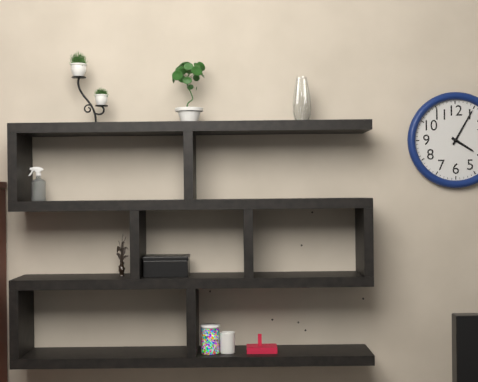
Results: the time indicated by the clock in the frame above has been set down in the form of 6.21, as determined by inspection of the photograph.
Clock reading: 4.05
